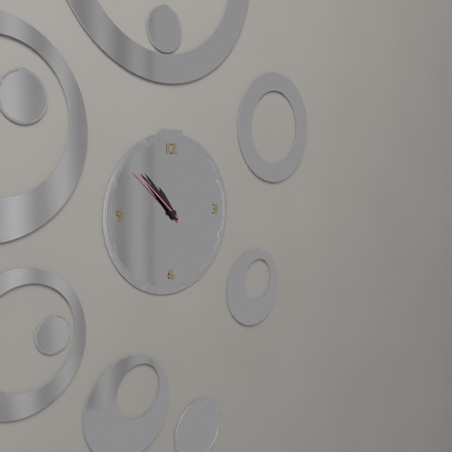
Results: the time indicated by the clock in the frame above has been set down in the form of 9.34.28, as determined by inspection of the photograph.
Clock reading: 10.53.52
